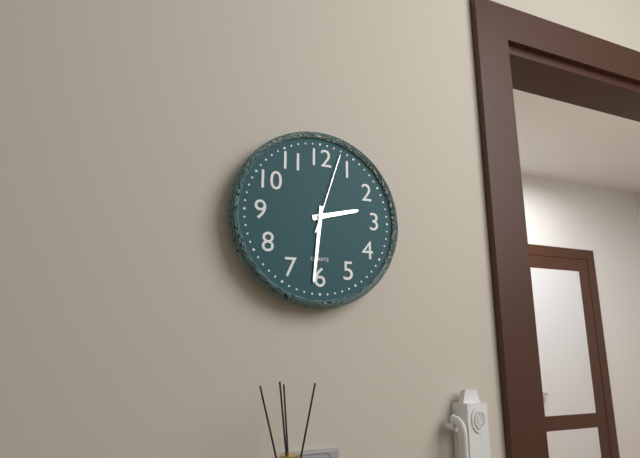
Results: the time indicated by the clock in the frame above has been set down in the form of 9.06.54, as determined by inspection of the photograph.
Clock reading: 2.31.03
